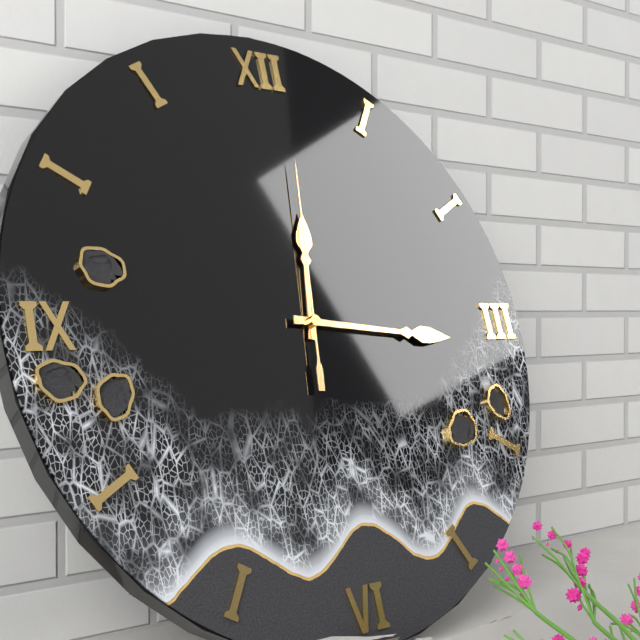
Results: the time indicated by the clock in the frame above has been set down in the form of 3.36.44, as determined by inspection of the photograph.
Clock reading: 12.16.01
